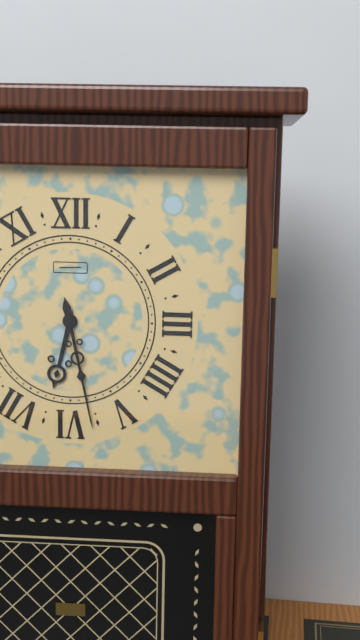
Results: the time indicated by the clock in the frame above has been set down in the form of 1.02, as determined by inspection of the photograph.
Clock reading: 6.28
